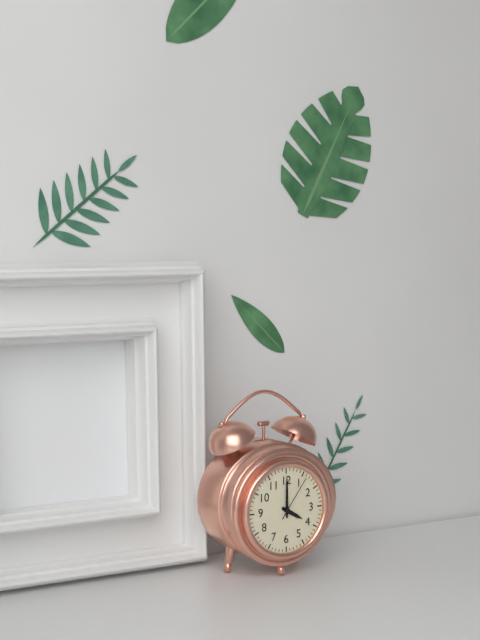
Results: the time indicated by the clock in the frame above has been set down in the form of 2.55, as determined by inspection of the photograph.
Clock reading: 4.00
